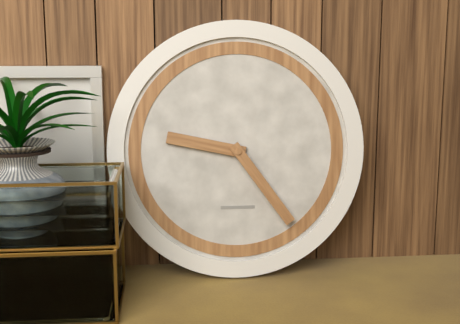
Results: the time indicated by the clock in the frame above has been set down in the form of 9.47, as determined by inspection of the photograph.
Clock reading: 9.24
